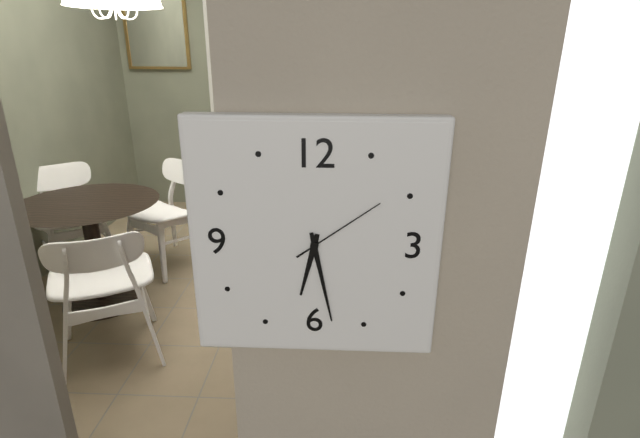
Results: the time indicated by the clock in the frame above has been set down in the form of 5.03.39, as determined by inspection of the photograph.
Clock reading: 6.28.09
